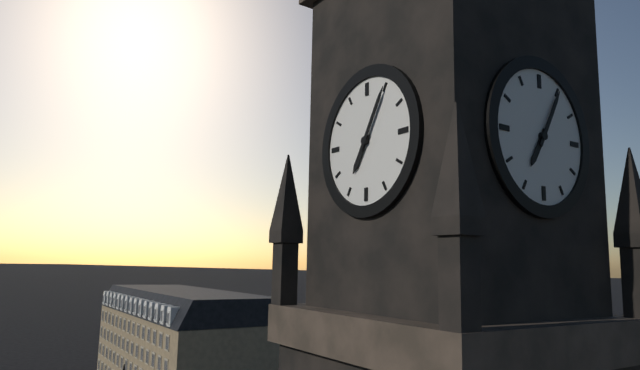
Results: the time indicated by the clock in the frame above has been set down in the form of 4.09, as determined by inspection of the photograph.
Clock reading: 7.05
